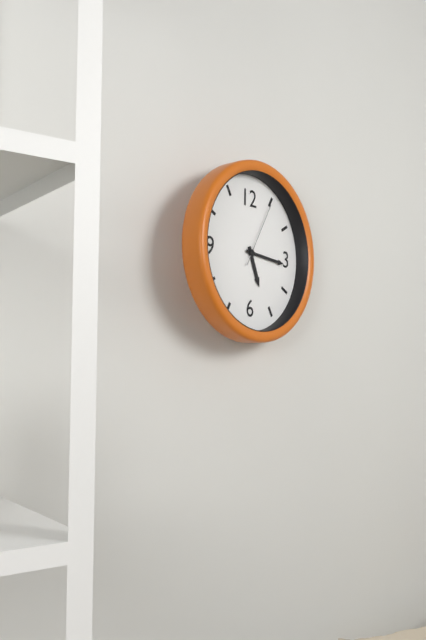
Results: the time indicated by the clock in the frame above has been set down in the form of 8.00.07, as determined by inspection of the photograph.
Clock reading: 5.16.05
